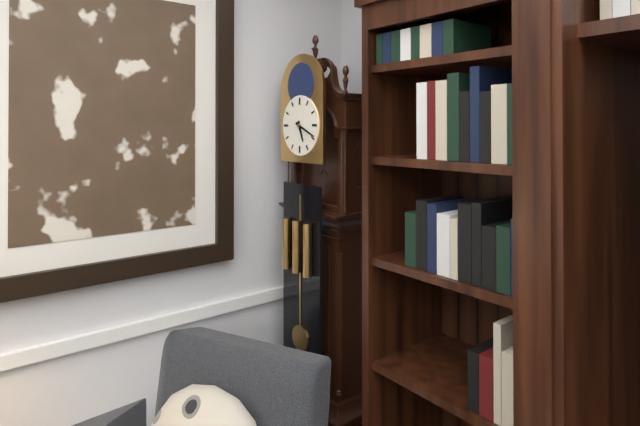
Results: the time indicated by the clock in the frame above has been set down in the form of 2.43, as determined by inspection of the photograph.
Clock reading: 5.19
